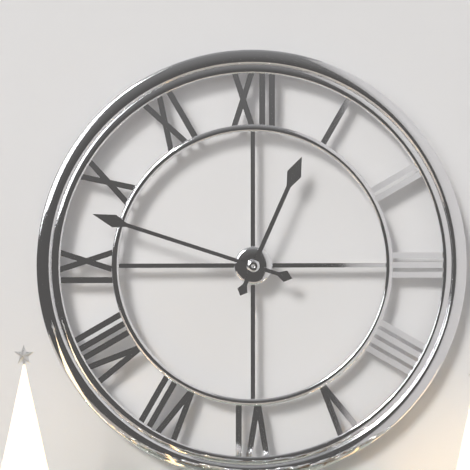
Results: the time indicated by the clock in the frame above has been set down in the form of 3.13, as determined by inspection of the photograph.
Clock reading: 12.48
